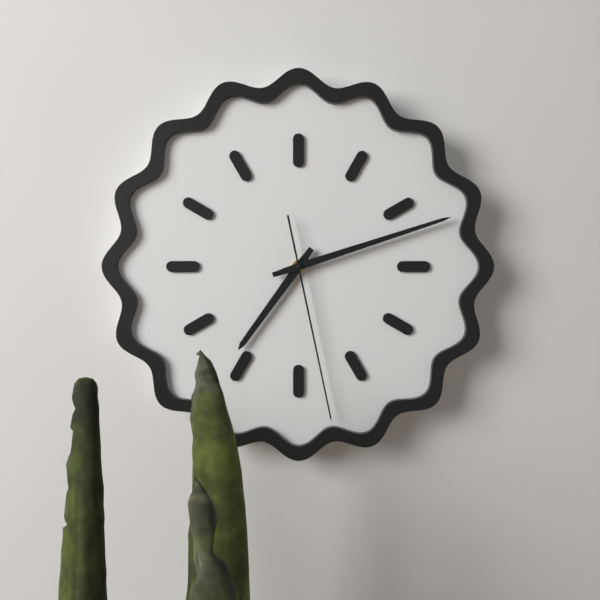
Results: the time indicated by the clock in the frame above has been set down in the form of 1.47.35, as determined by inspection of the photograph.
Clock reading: 7.12.28
